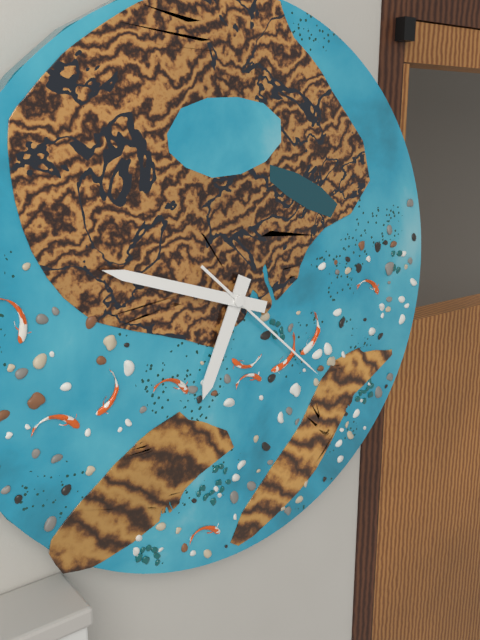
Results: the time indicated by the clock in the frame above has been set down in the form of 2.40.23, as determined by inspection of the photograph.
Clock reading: 6.48.22
